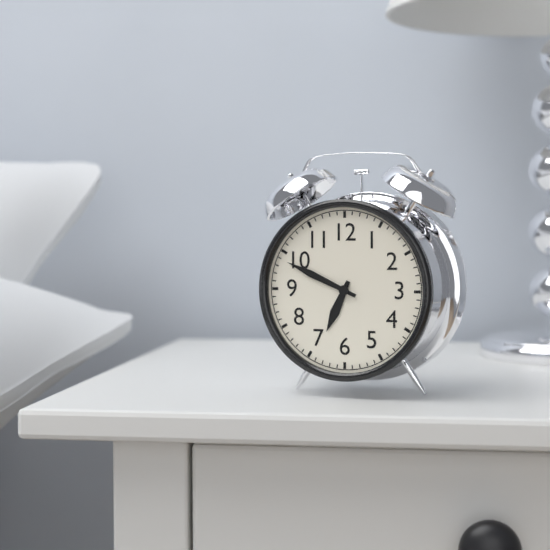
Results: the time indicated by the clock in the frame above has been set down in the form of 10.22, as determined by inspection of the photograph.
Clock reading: 6.49
